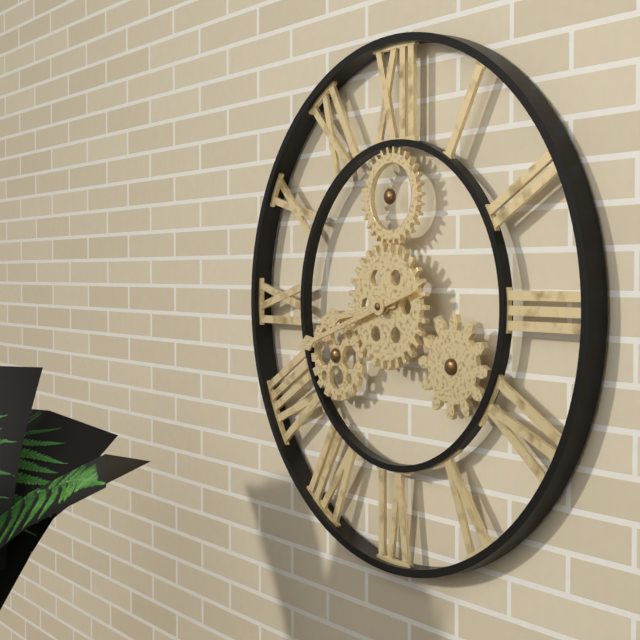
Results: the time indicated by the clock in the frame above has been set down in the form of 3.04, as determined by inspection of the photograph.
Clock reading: 8.42
